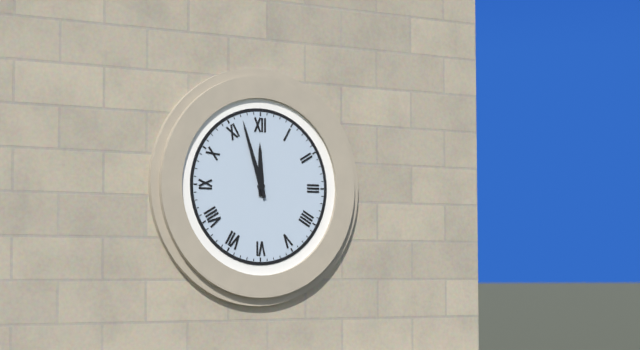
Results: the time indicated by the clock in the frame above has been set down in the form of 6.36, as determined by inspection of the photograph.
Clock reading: 11.57
